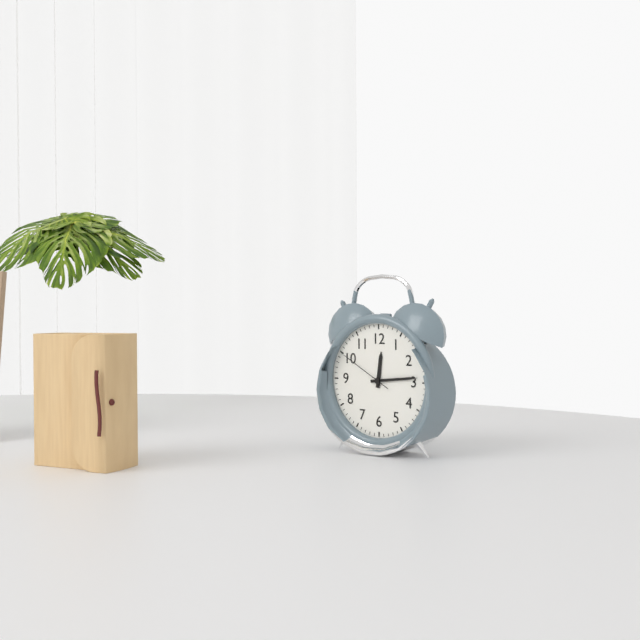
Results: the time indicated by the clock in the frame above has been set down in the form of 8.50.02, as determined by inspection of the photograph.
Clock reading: 12.14.50
